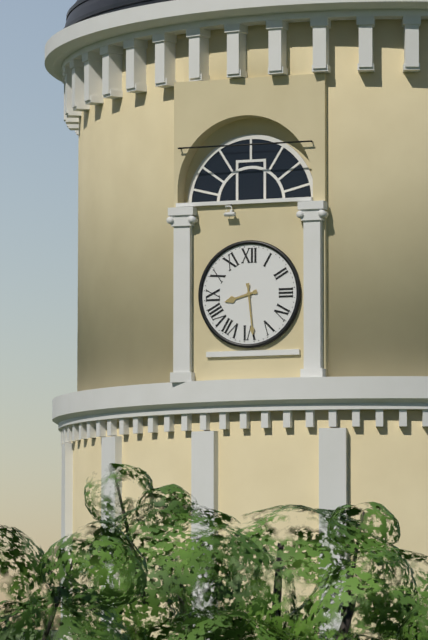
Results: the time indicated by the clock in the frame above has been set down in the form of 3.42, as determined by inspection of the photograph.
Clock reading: 8.29
